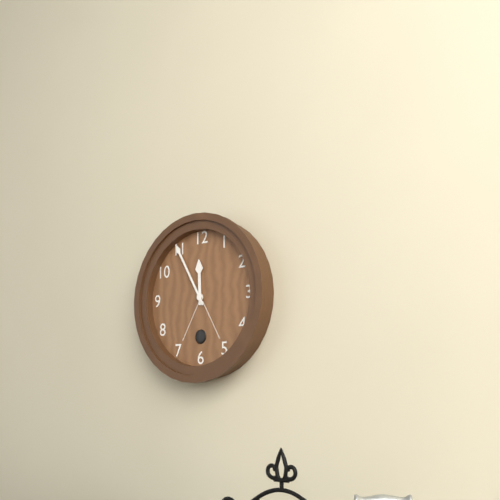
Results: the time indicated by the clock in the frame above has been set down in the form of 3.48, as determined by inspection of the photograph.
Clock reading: 11.55
